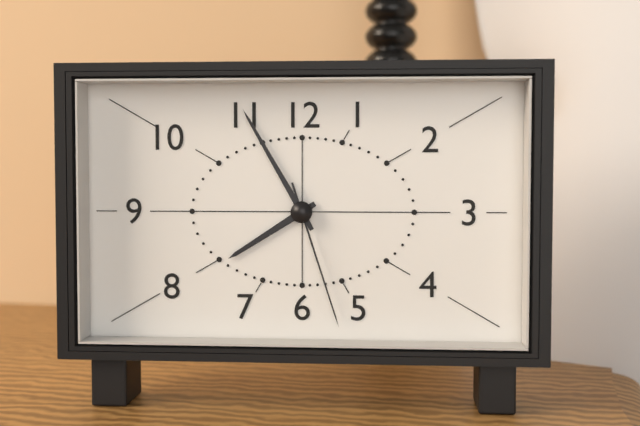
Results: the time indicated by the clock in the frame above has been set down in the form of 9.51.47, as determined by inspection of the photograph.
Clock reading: 7.55.27
